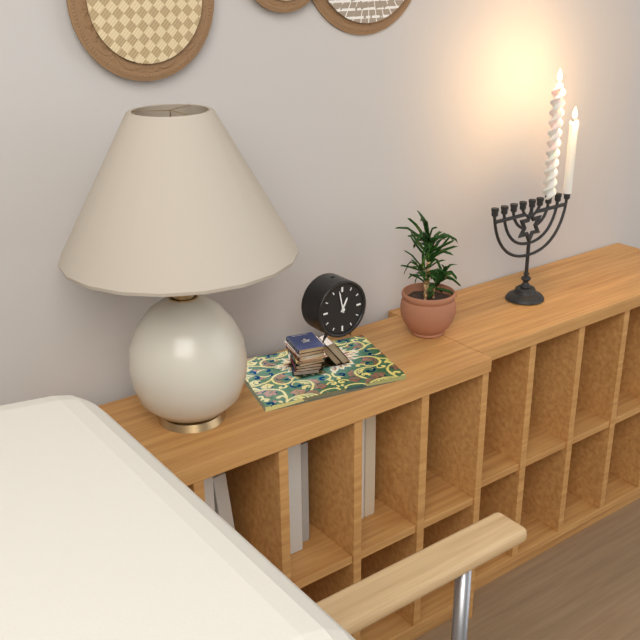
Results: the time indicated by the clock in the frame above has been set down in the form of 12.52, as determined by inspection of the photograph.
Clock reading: 12.58
